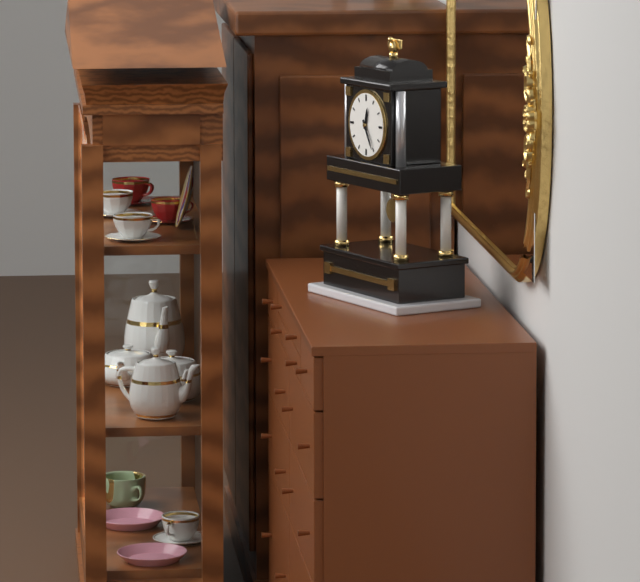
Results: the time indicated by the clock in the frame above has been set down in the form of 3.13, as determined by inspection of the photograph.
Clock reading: 12.25
